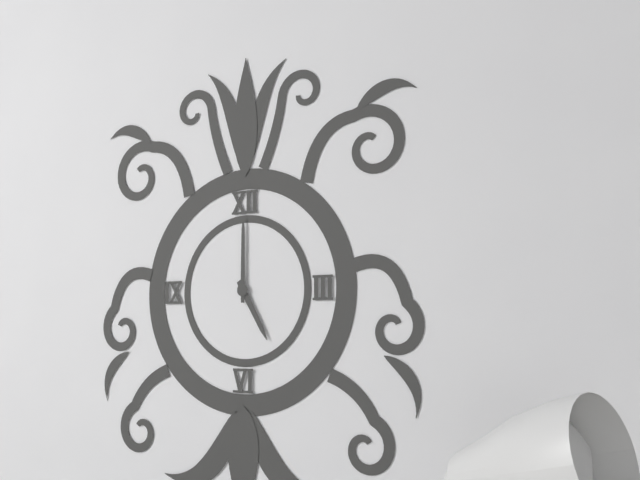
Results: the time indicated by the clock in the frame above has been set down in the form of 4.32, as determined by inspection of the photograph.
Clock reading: 5.00
